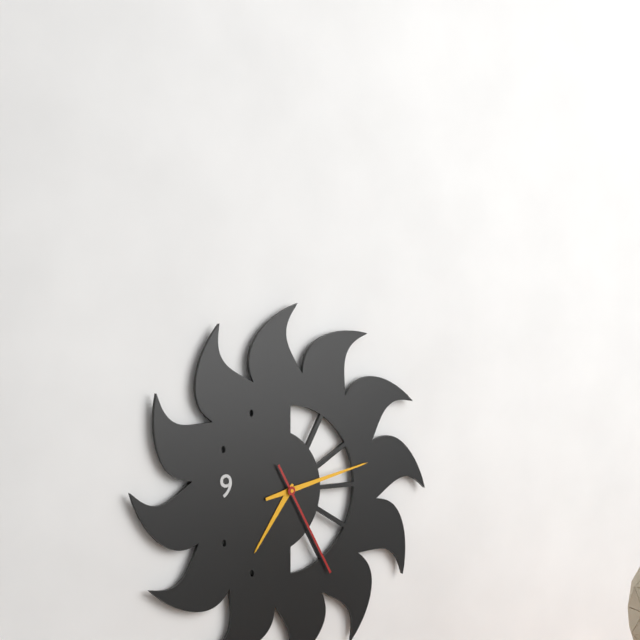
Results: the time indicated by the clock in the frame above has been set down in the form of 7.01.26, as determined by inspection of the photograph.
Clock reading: 7.13.25
